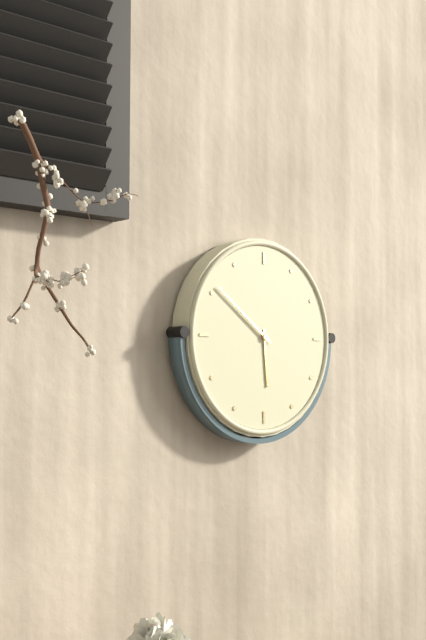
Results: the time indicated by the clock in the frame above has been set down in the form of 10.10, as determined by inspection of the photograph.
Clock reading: 5.51
